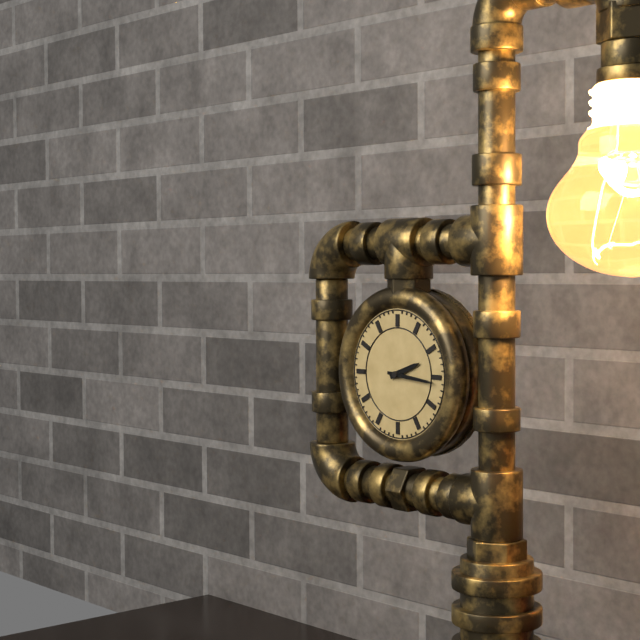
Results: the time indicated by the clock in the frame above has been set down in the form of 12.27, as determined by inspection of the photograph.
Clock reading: 2.16
